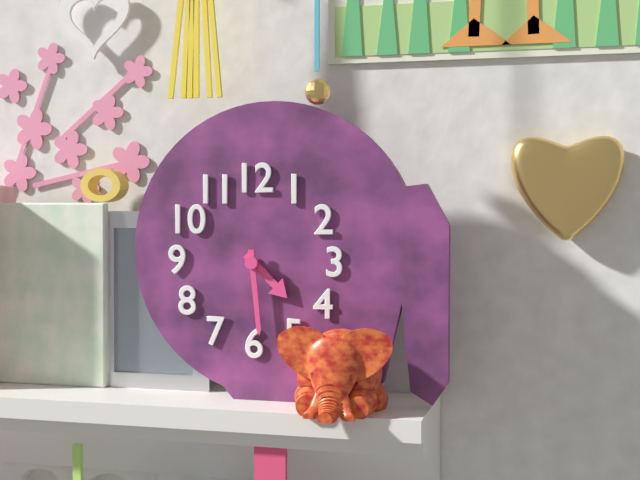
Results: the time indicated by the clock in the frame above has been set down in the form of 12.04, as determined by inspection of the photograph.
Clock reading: 4.29
